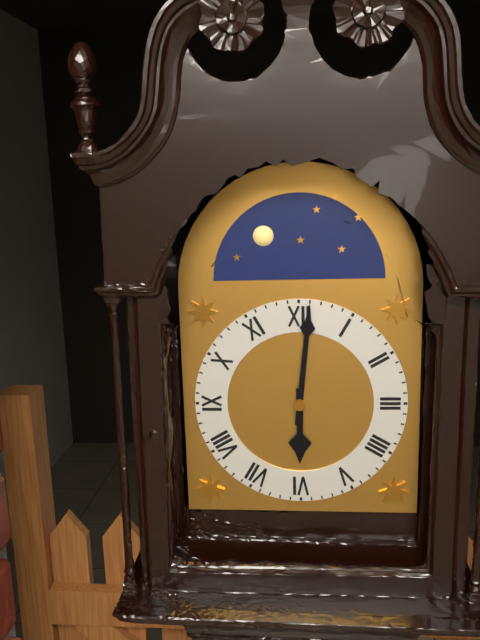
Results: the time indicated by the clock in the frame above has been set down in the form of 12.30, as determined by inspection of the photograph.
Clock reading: 6.01
